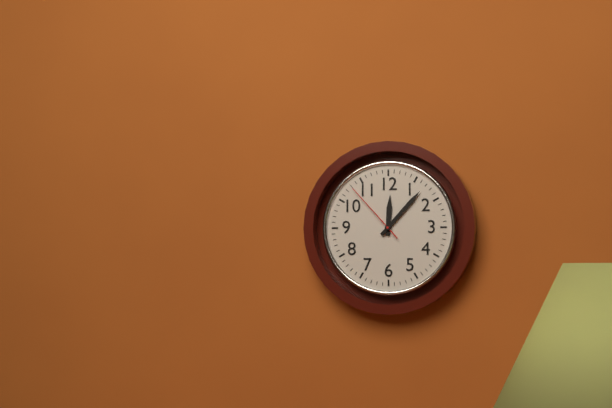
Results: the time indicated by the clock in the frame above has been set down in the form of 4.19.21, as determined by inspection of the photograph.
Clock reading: 12.07.53
